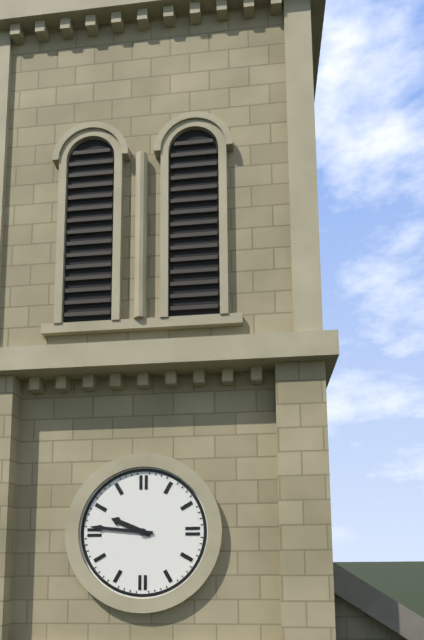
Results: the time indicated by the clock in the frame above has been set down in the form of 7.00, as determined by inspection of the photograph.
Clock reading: 9.46
